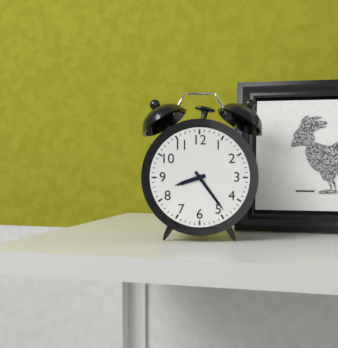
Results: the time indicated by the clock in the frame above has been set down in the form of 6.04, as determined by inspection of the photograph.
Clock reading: 8.24
